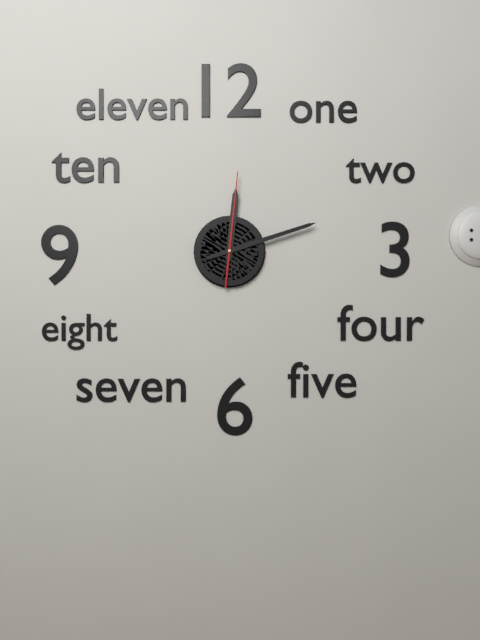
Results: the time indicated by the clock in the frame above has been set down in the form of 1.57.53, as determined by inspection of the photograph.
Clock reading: 12.12.01
